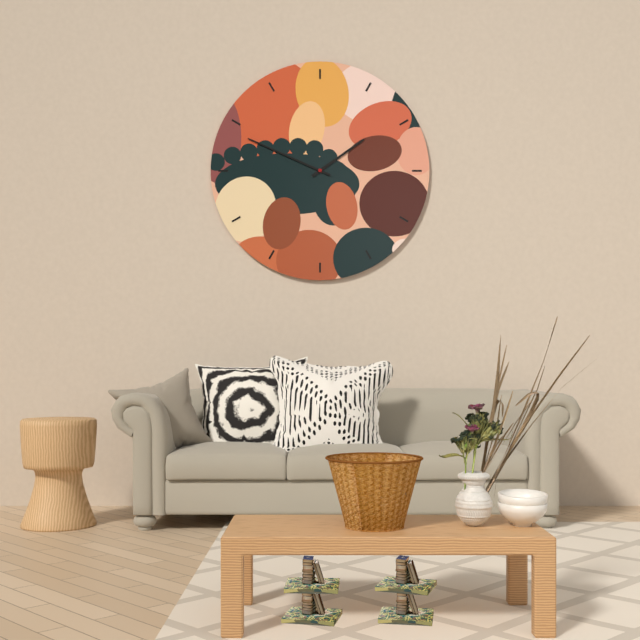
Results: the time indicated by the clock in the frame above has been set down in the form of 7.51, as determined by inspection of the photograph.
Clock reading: 1.49
